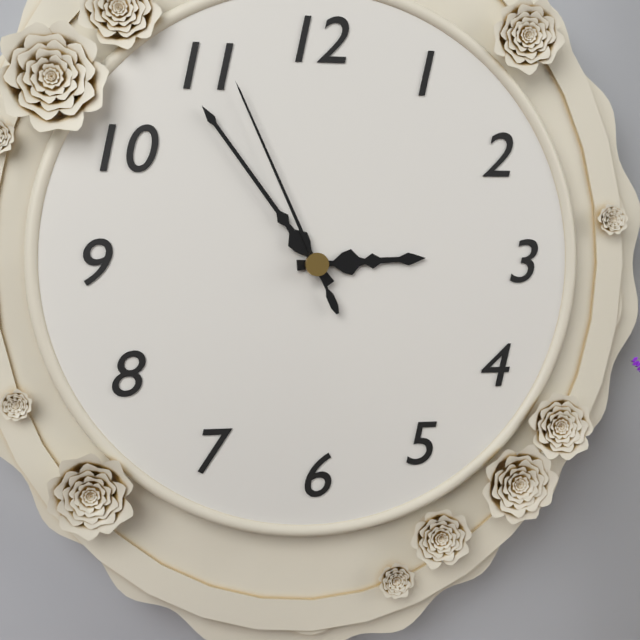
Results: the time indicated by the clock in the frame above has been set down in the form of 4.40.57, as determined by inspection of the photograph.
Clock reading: 2.54.56
